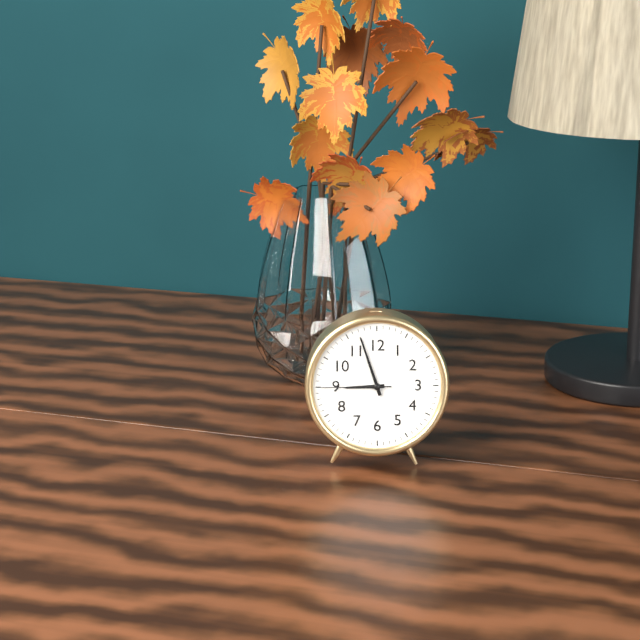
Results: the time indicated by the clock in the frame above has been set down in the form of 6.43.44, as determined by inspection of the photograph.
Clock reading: 8.57.45
